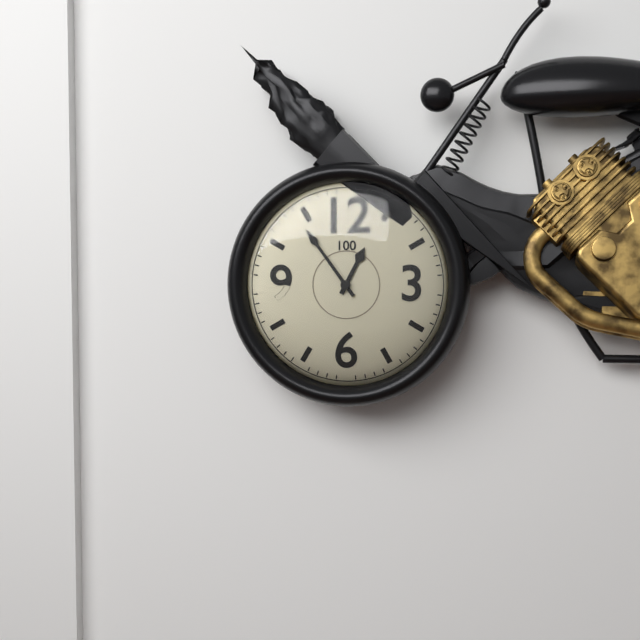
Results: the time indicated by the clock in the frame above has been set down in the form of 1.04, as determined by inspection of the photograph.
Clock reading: 12.54
